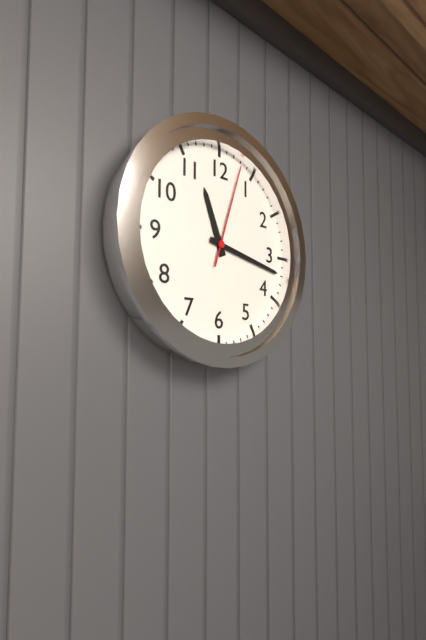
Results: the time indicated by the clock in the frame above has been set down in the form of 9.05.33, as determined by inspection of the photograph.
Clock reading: 11.17.03
